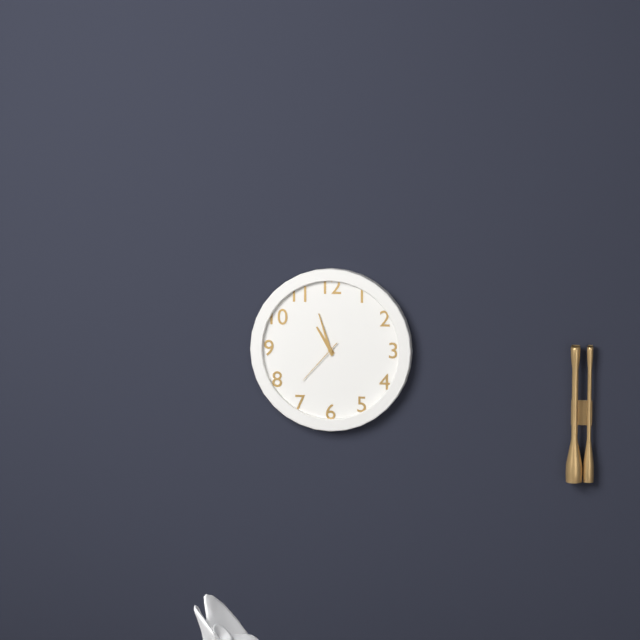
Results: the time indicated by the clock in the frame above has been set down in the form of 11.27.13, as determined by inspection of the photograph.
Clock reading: 10.57.37
